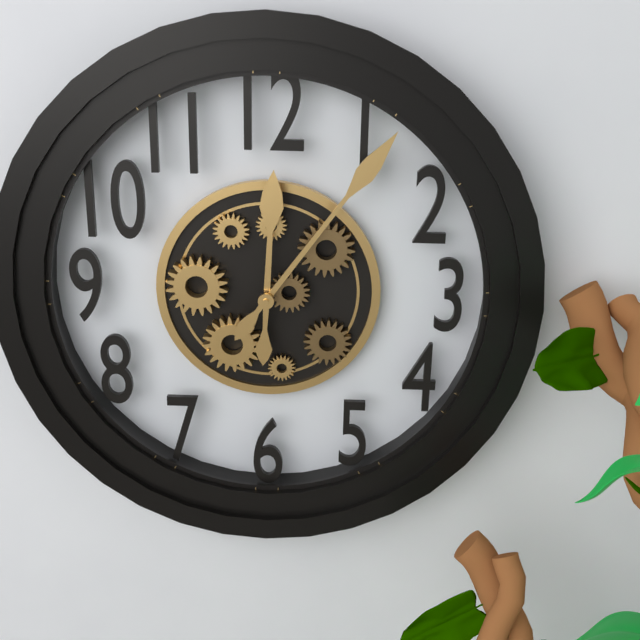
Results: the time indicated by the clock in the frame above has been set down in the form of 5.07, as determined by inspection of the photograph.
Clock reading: 12.06
